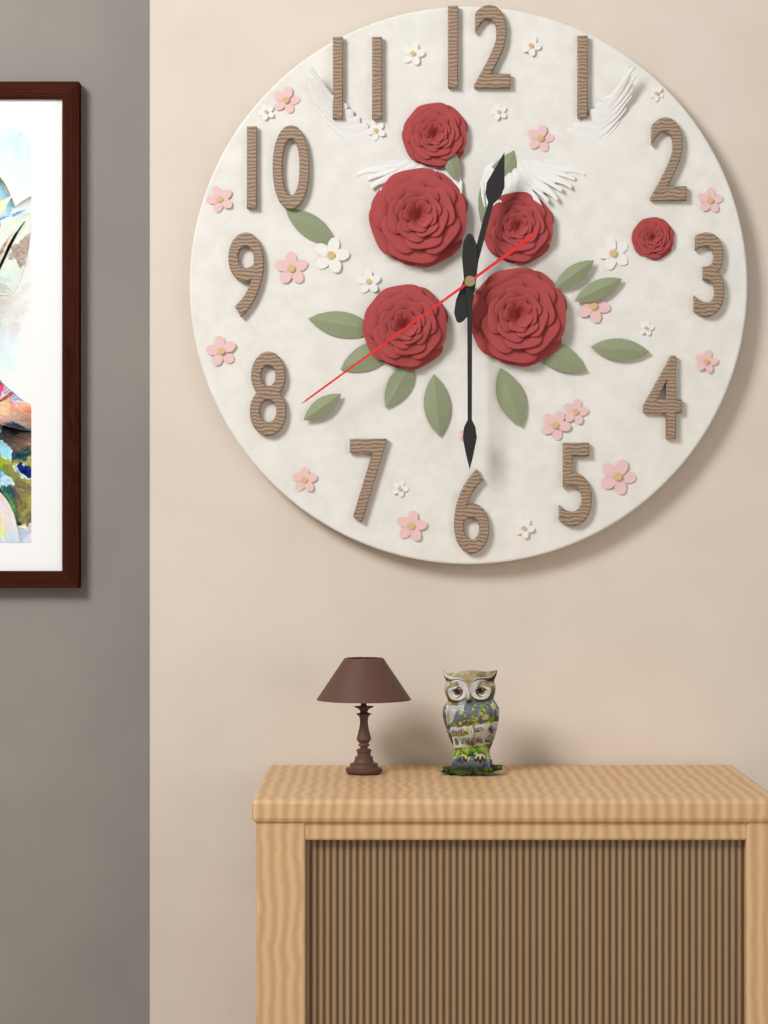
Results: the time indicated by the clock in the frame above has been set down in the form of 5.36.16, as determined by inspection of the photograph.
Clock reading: 12.30.39
